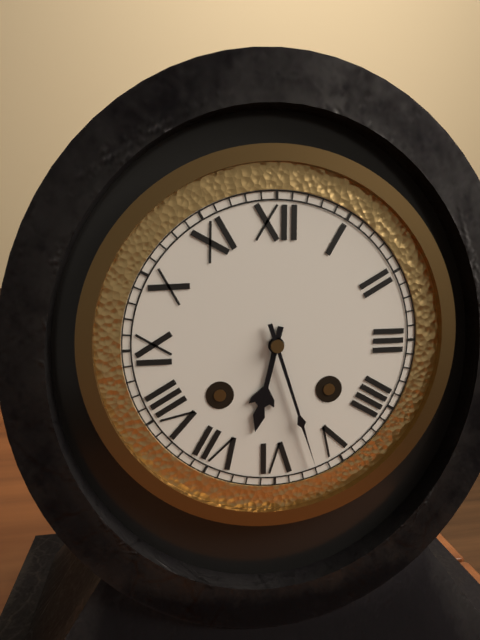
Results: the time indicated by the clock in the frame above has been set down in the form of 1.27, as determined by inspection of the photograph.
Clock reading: 6.27
